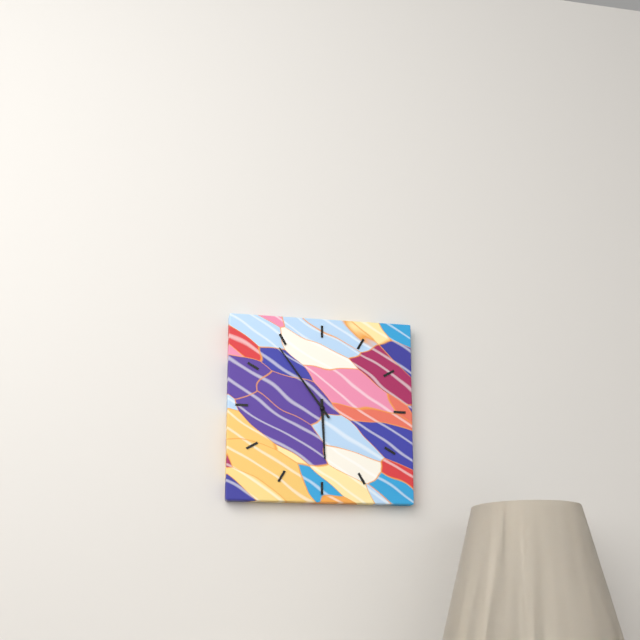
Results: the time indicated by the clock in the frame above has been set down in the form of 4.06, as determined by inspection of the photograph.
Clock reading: 5.54
